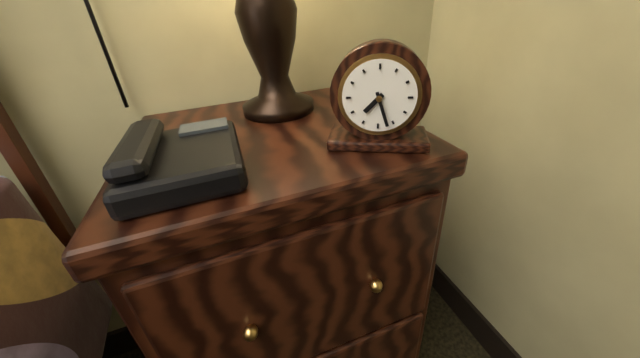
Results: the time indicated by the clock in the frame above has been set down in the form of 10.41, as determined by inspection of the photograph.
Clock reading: 7.27
